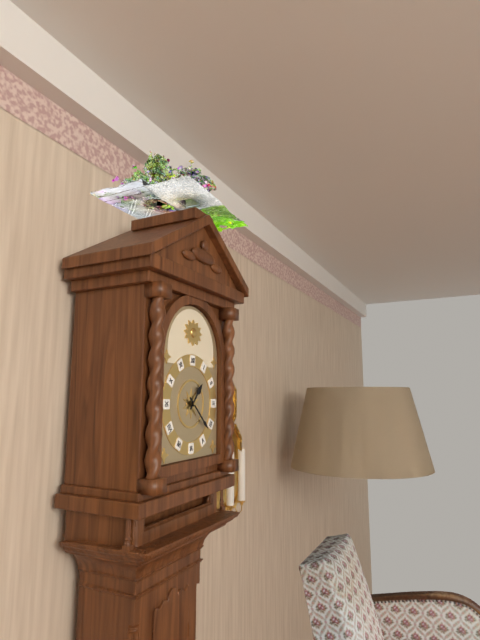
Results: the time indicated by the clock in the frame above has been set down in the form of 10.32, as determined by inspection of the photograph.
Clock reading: 1.22
